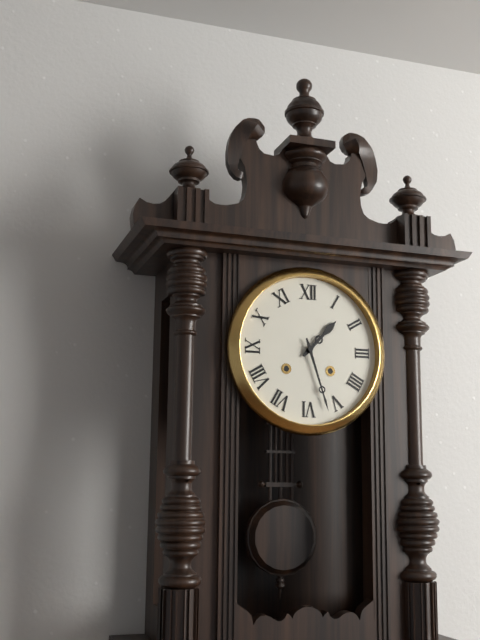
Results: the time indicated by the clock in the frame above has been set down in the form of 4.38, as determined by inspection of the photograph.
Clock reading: 1.27
